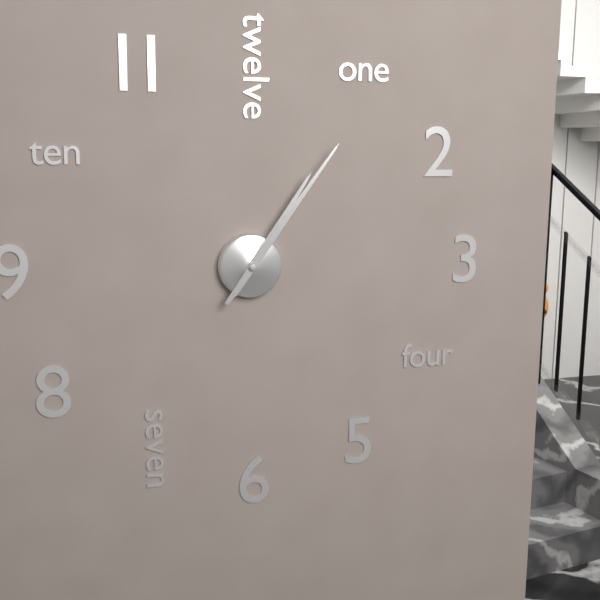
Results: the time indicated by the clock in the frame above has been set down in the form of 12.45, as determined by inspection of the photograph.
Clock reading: 1.06
